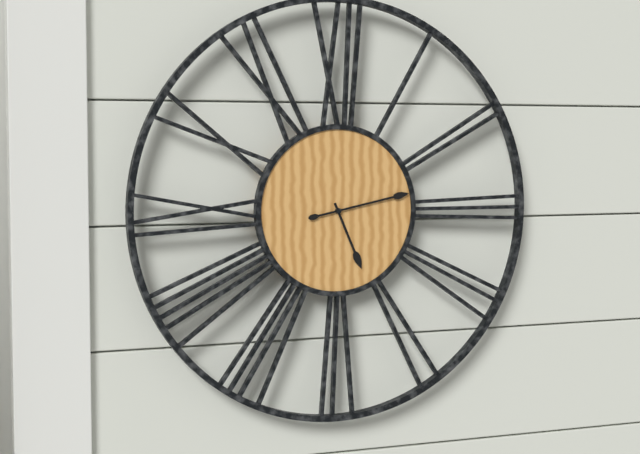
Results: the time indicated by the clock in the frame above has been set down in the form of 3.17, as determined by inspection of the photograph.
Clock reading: 5.13
